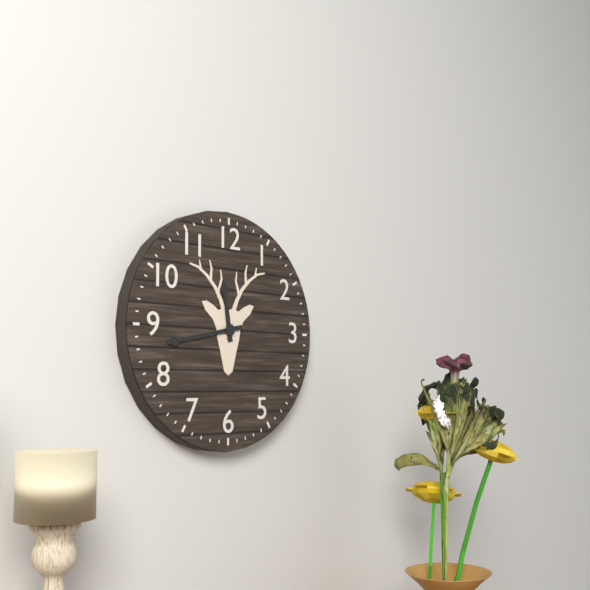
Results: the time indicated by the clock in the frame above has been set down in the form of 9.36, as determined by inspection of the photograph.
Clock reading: 11.43
